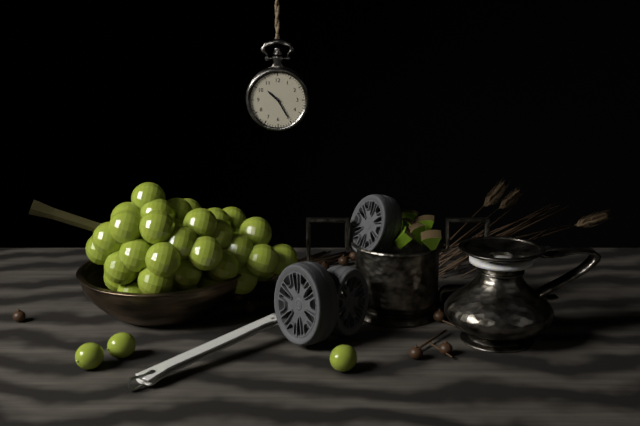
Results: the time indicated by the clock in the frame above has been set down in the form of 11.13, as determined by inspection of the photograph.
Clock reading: 10.25
